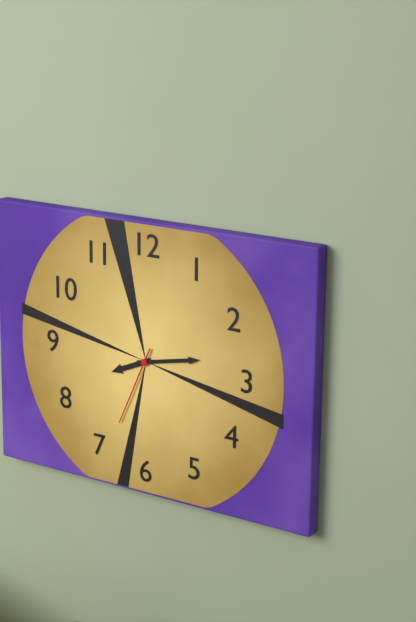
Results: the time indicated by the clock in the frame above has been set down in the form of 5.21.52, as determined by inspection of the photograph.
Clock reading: 8.13.34
